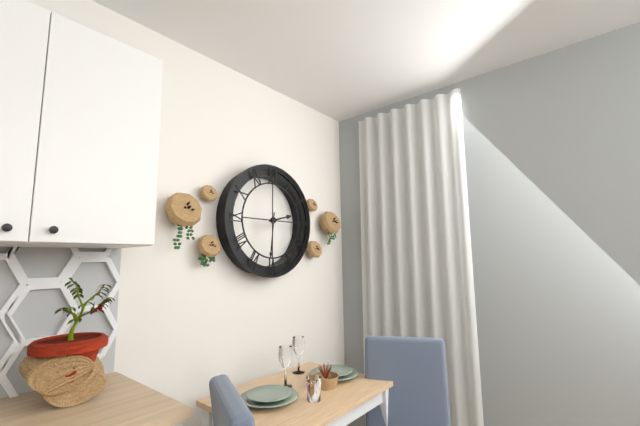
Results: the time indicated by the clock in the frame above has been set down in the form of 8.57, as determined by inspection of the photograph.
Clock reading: 2.31
